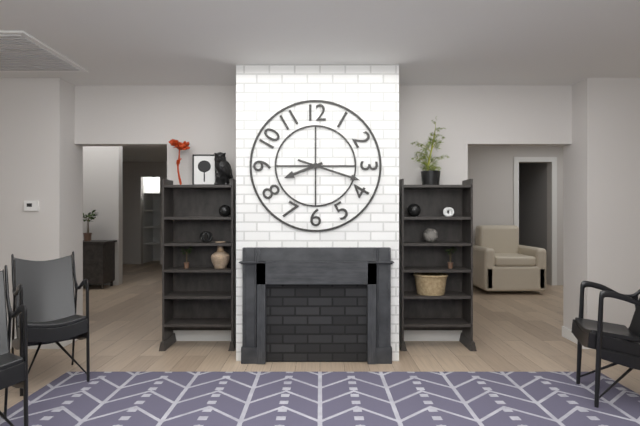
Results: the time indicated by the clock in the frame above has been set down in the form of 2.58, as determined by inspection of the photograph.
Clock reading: 8.18
